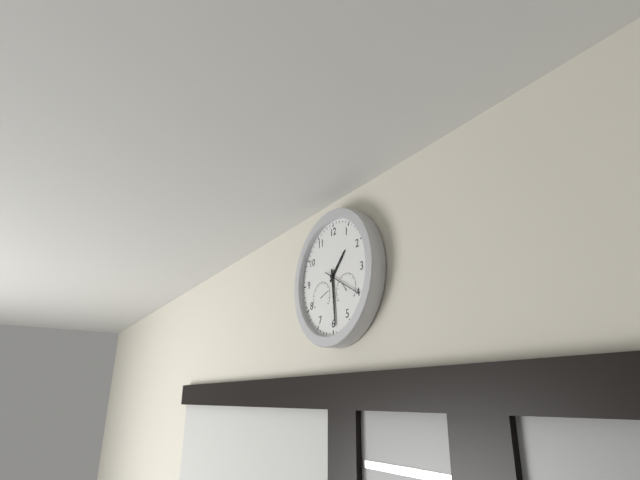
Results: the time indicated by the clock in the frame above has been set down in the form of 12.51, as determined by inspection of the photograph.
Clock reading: 1.29
